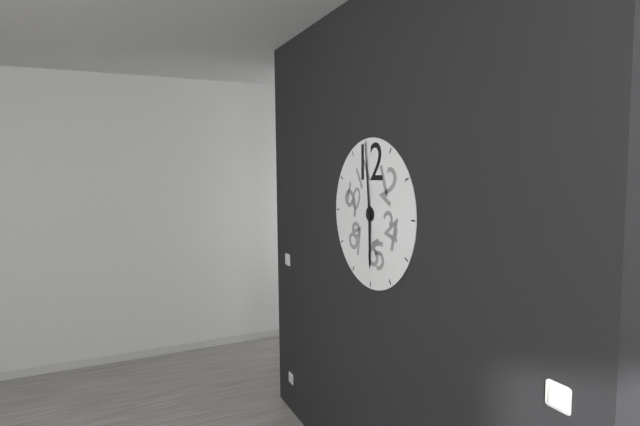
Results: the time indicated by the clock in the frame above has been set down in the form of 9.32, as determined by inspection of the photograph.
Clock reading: 5.59
